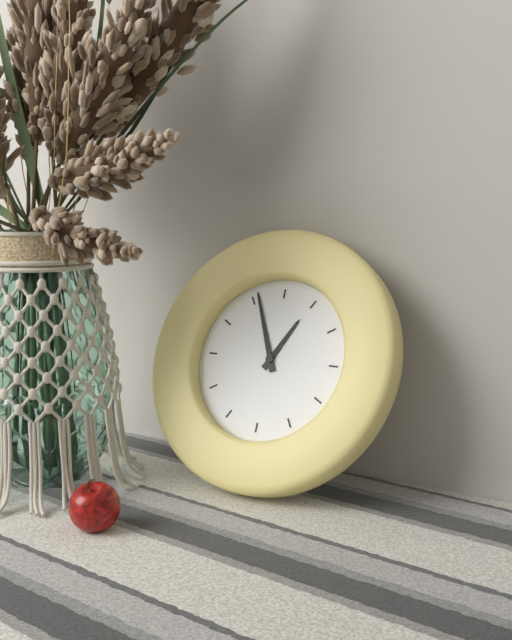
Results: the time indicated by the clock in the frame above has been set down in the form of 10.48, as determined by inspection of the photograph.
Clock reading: 12.56
